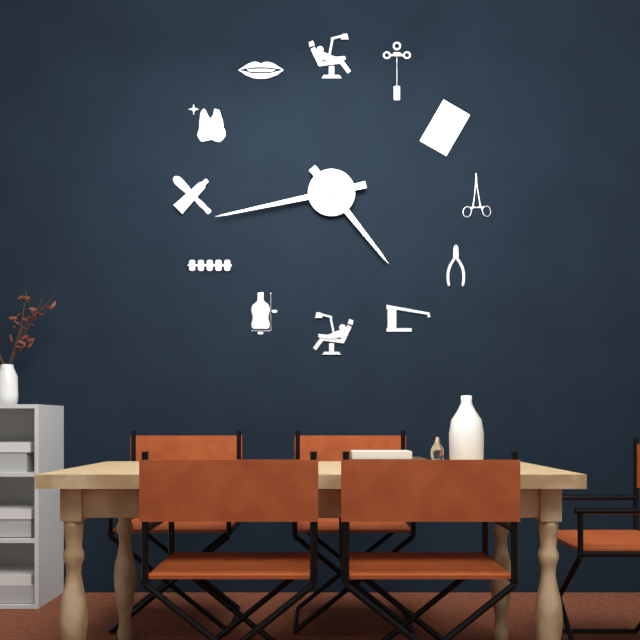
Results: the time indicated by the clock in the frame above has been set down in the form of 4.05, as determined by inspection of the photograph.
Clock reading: 4.43
